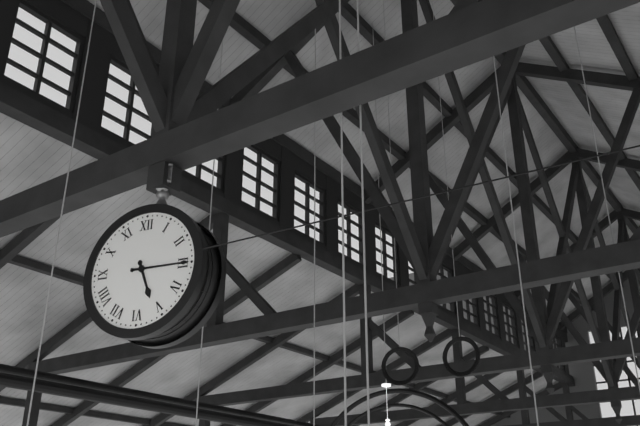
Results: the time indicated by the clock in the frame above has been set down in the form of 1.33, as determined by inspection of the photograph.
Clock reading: 5.15
